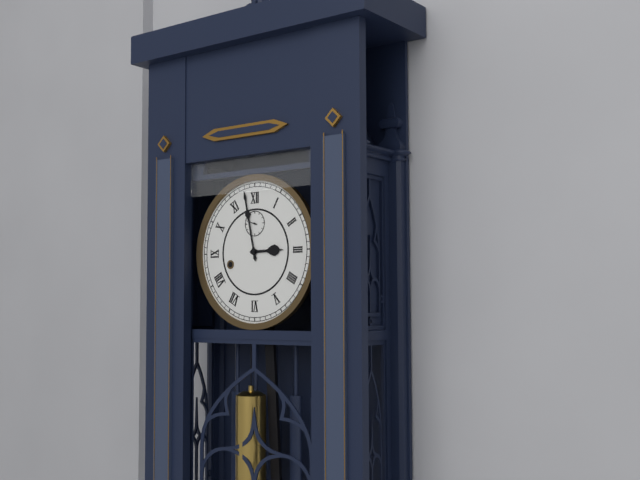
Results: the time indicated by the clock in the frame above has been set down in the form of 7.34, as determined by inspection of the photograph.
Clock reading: 2.58
